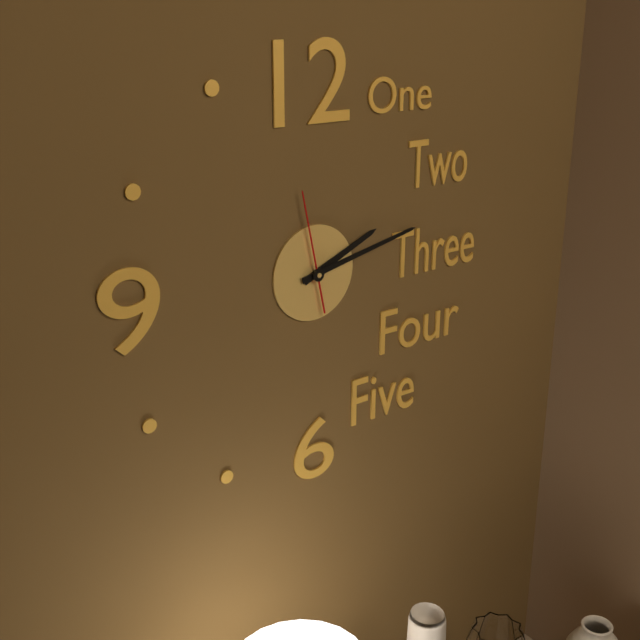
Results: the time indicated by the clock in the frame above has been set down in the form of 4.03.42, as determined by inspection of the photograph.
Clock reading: 2.13.58
